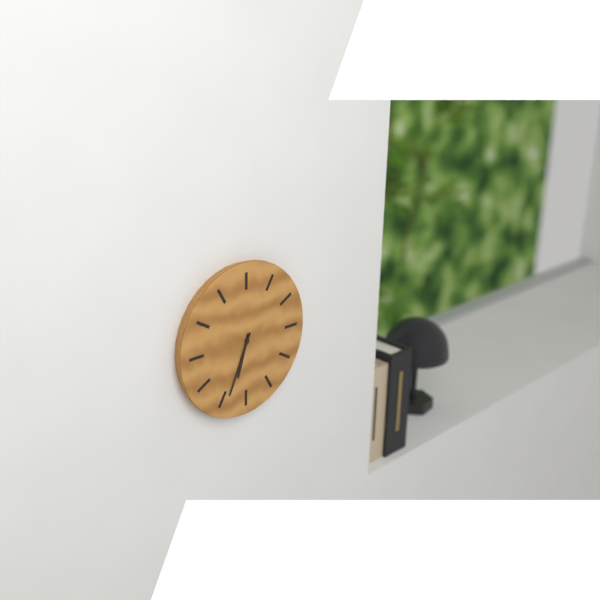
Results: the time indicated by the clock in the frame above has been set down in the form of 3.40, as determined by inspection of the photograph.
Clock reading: 6.34
